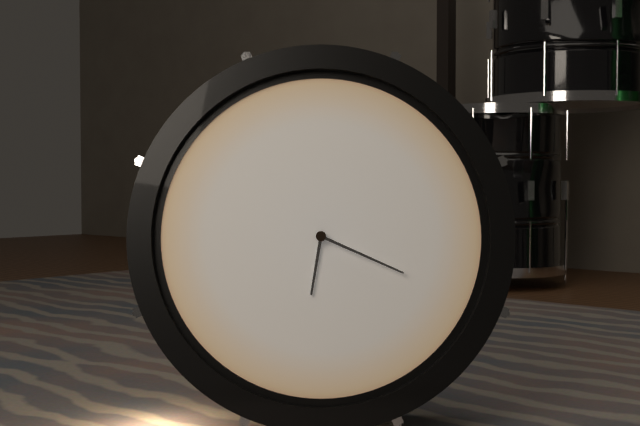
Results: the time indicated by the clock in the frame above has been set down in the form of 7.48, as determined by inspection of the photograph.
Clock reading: 6.19
